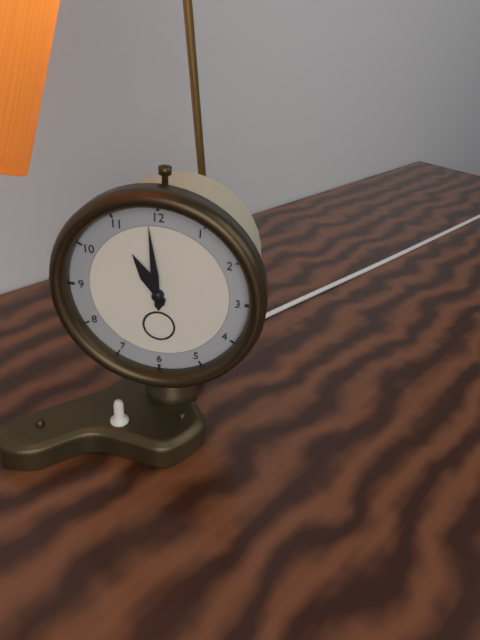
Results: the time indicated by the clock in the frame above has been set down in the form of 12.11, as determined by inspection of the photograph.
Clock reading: 10.59
